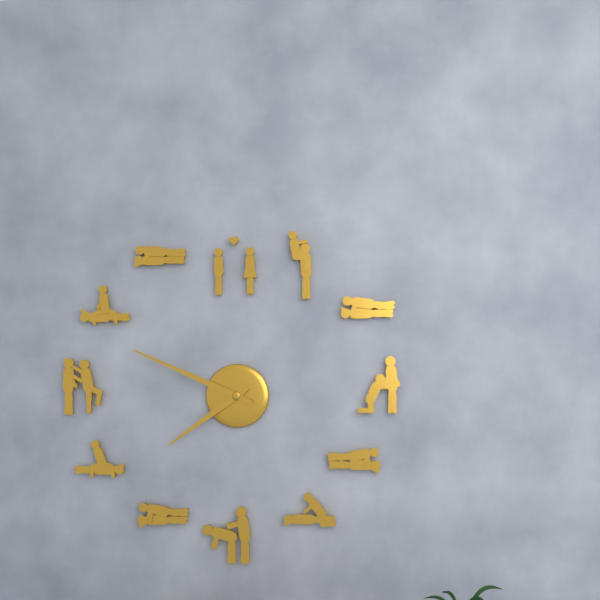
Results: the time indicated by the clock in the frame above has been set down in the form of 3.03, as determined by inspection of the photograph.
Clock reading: 7.49
